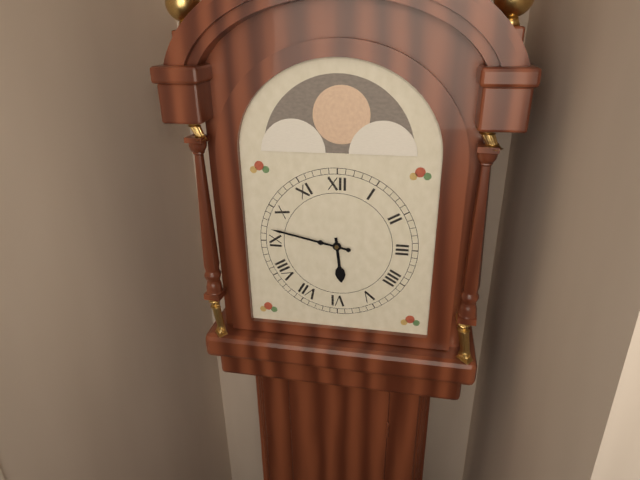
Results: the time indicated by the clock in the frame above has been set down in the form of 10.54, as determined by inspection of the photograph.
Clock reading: 5.47
